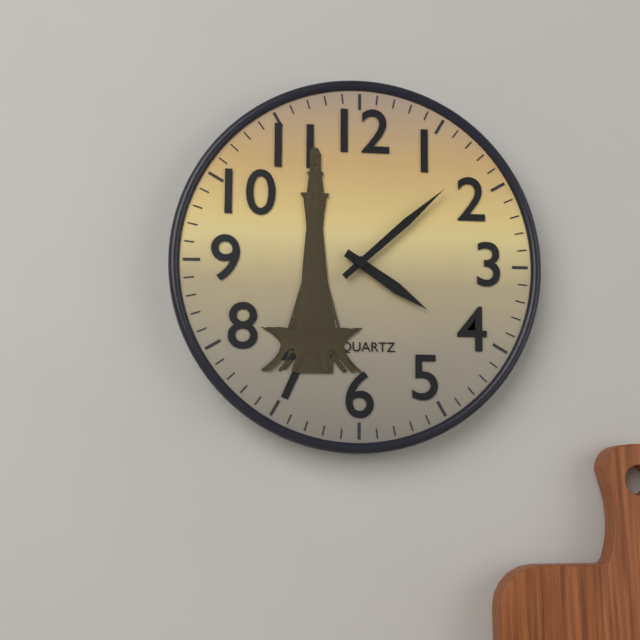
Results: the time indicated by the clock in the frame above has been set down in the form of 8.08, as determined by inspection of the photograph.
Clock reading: 4.08
